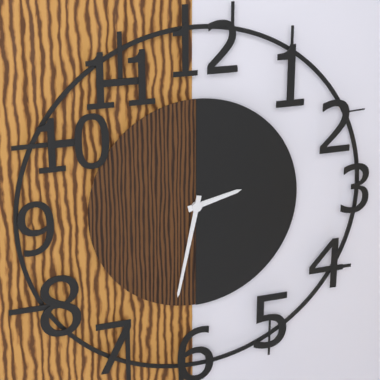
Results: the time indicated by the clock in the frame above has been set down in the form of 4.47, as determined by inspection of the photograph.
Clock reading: 2.32
